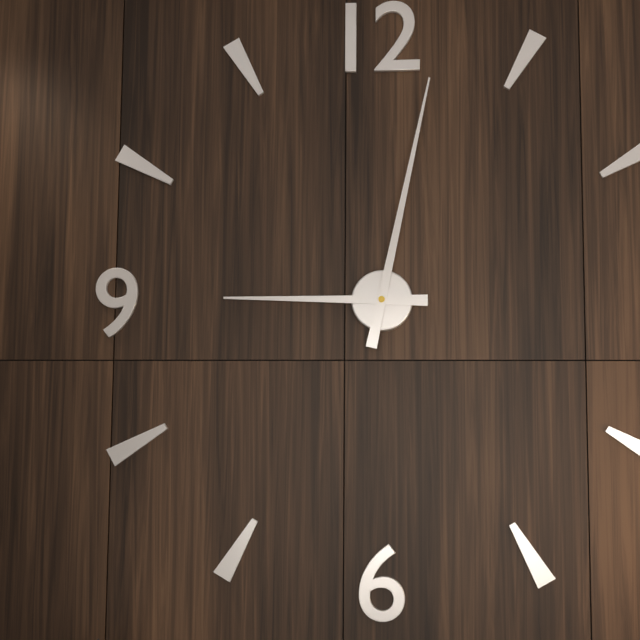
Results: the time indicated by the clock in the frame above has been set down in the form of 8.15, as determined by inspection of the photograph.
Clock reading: 9.02
